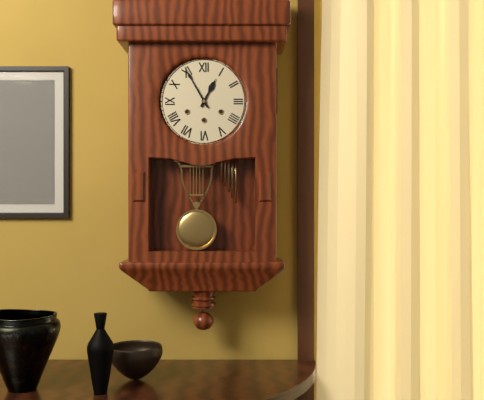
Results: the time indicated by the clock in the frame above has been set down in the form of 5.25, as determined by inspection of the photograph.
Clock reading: 12.55
